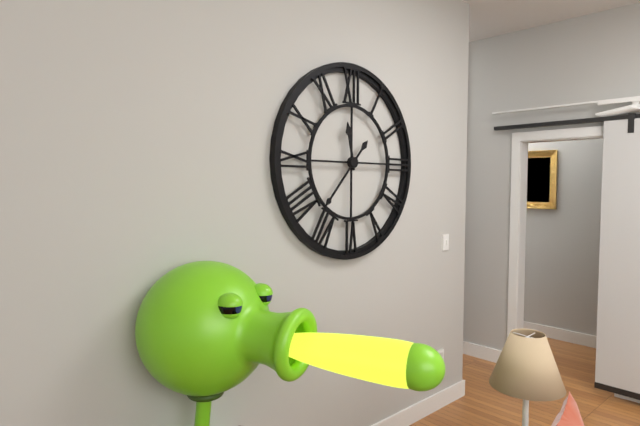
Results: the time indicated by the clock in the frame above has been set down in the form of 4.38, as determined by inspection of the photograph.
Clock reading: 11.37
